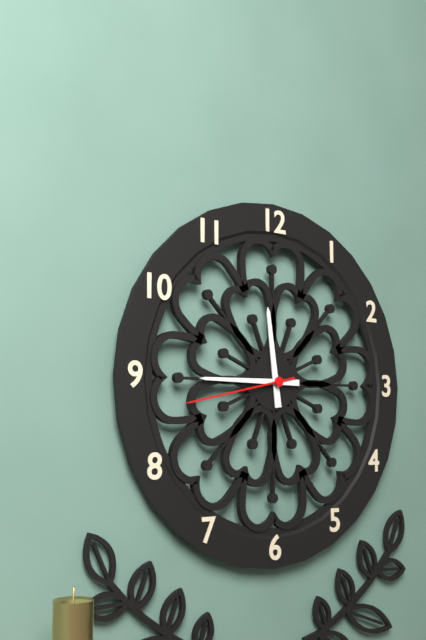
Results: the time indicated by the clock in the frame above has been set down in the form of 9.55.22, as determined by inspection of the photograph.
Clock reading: 11.45.43
